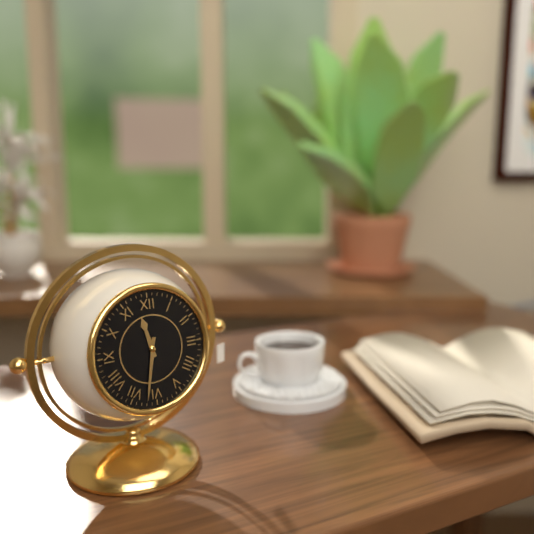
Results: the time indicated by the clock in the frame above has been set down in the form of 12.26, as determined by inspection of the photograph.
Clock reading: 11.32
